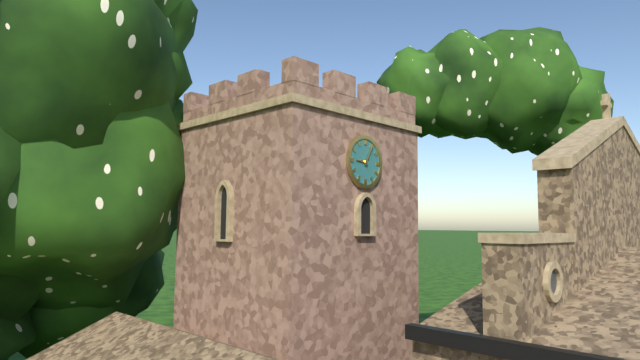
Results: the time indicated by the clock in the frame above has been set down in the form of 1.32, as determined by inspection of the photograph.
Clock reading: 9.05
